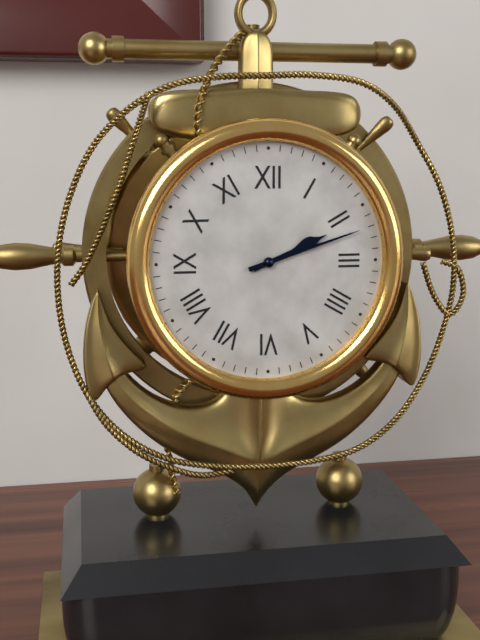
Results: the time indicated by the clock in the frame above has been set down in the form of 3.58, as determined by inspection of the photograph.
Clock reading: 2.12
